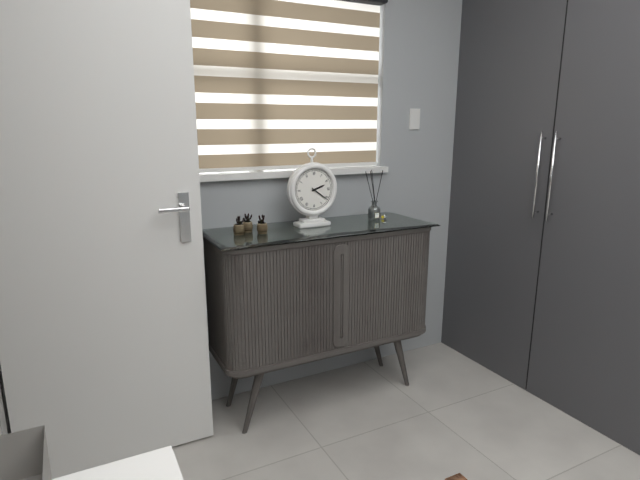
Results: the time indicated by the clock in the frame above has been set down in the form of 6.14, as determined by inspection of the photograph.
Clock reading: 2.21
